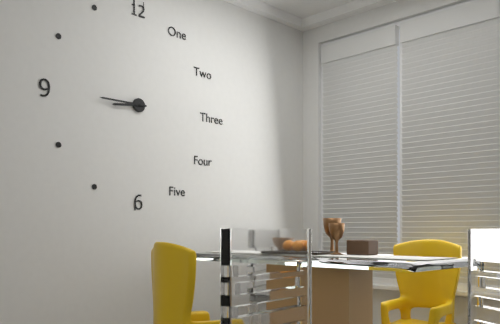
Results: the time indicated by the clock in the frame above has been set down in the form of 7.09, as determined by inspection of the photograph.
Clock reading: 8.45
